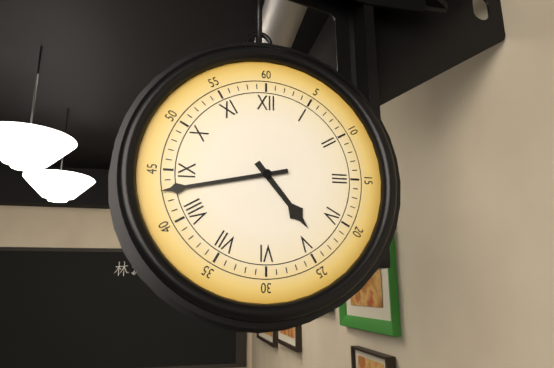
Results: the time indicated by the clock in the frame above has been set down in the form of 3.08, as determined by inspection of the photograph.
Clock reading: 4.43
